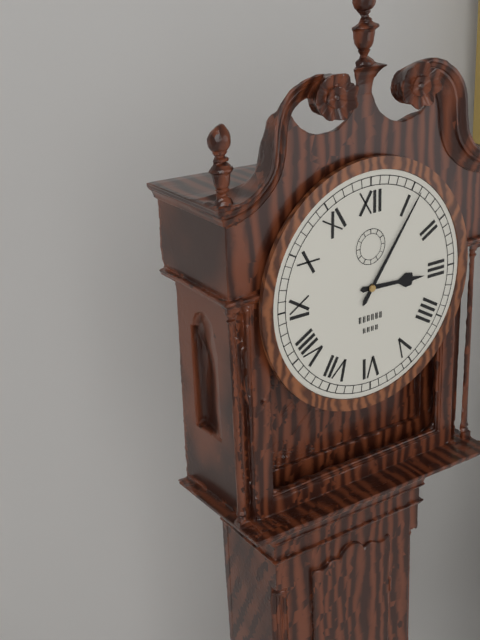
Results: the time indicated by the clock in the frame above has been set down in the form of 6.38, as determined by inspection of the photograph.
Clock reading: 3.06
